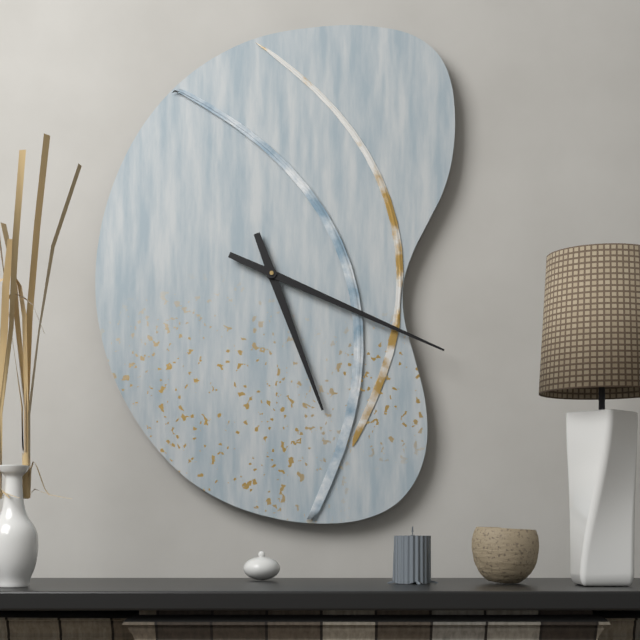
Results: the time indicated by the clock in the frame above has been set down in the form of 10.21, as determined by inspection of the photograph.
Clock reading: 5.19
